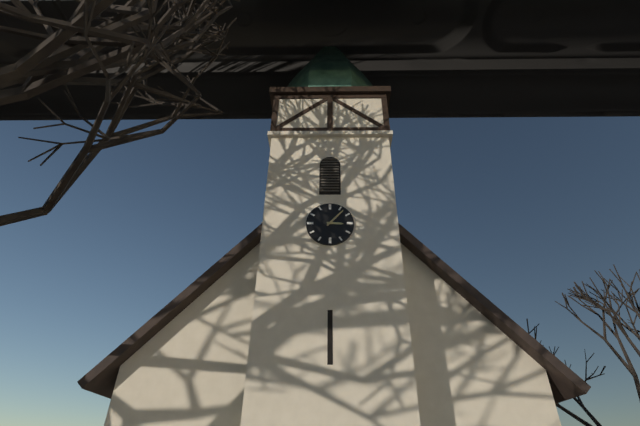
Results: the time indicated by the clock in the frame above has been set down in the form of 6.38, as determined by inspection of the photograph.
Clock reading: 3.07
